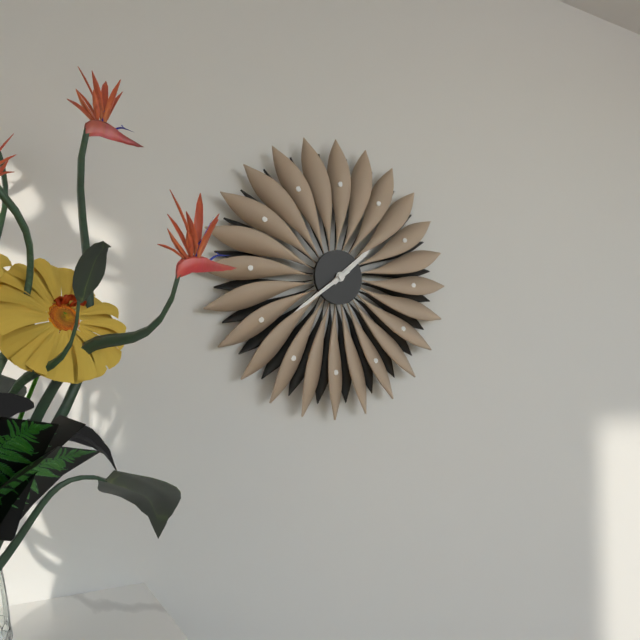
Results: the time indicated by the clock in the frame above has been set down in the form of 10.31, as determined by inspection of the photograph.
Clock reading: 1.39
